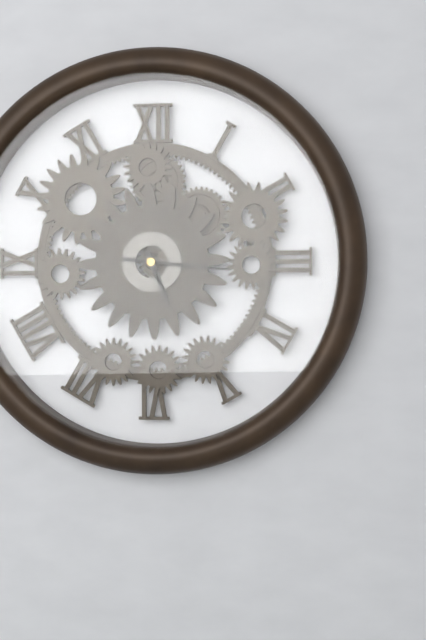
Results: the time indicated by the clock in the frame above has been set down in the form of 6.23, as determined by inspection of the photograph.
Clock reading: 5.16
